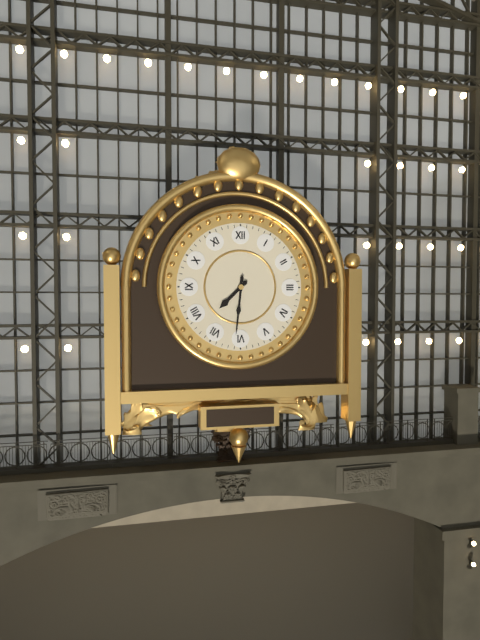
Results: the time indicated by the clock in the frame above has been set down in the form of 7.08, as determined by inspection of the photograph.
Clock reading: 7.31
